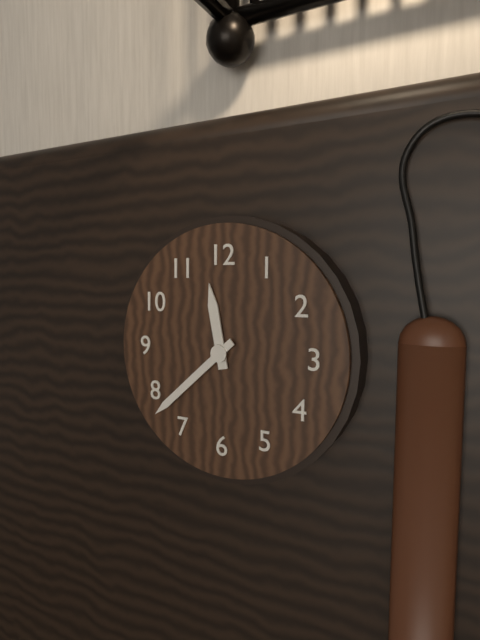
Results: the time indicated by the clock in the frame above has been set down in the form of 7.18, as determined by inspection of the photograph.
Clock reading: 11.38
